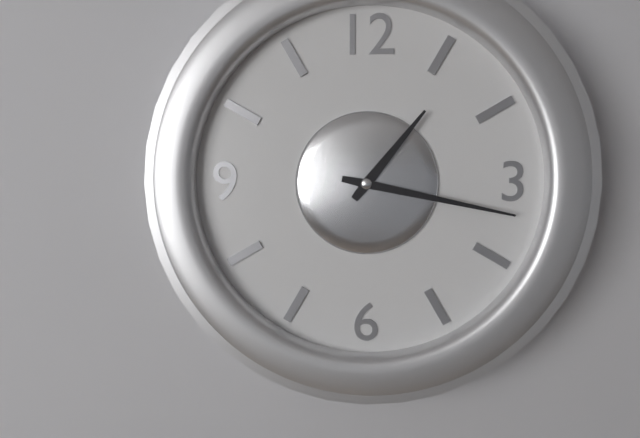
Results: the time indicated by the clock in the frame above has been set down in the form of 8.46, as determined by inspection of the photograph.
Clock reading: 1.17
